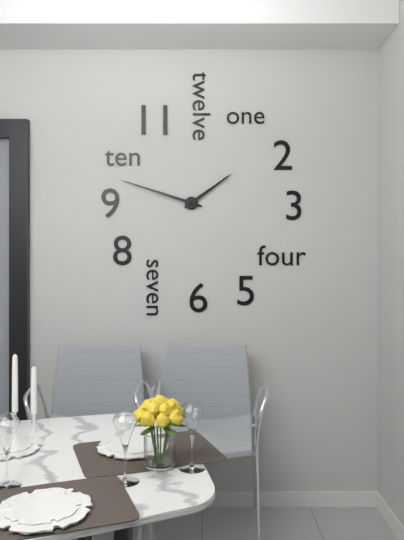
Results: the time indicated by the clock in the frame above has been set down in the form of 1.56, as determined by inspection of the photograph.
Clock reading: 1.48
